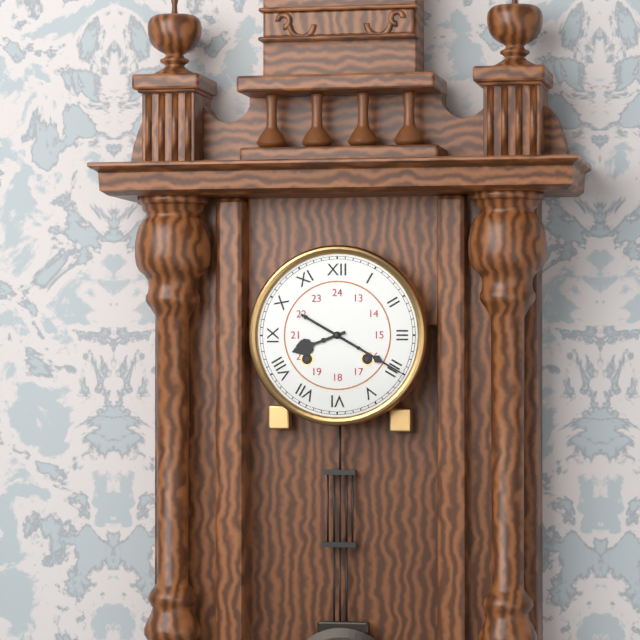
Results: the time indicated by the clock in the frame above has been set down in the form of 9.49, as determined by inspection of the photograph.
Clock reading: 8.20
